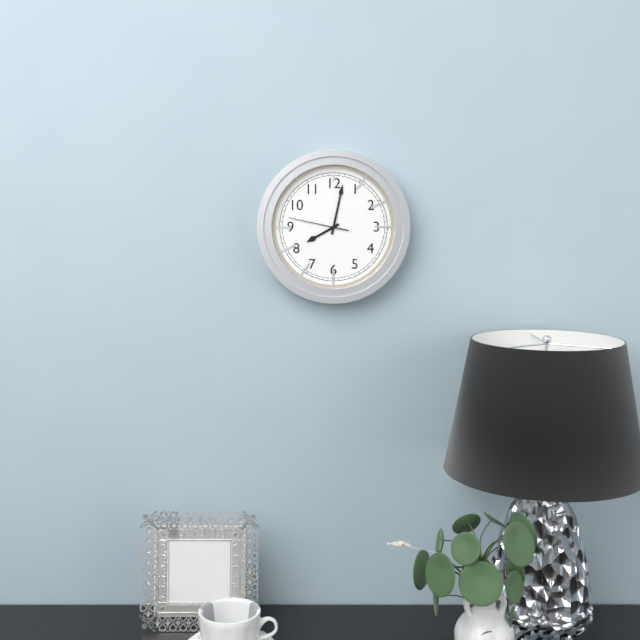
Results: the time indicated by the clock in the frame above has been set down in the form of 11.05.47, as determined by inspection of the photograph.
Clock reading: 8.02.47
